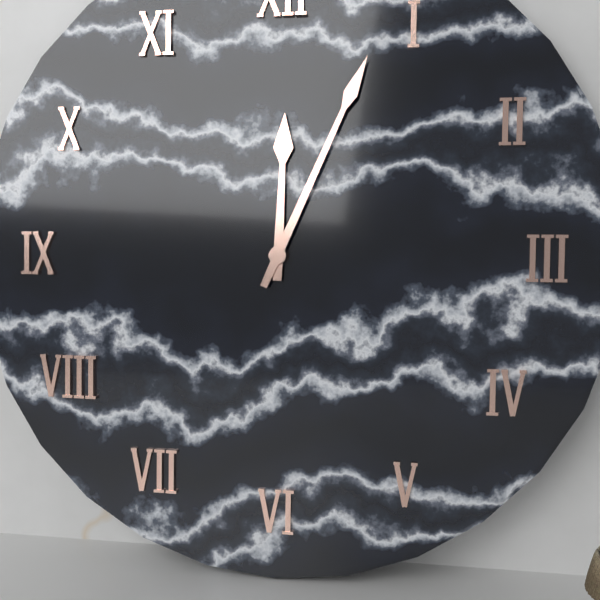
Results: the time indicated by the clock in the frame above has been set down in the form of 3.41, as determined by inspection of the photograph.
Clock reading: 12.04
